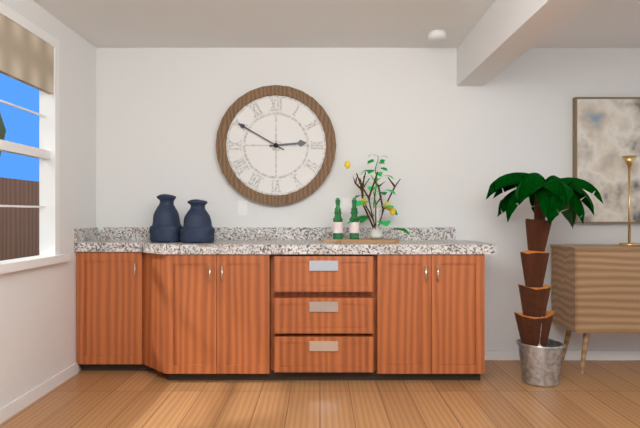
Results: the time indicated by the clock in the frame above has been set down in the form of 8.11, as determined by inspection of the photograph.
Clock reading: 2.50
